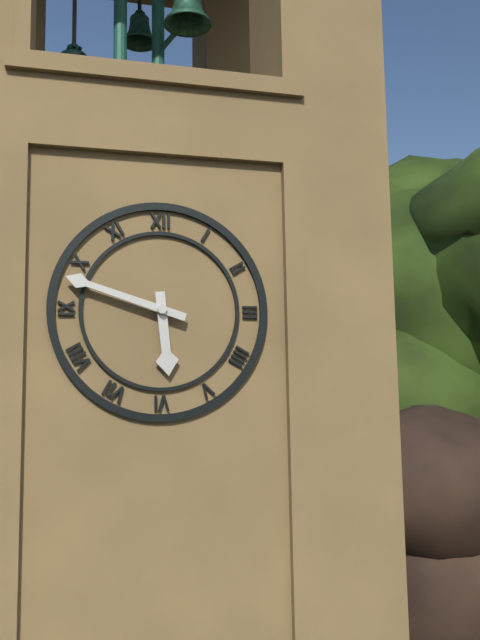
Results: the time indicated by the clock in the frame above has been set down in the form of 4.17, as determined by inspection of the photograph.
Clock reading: 5.48
